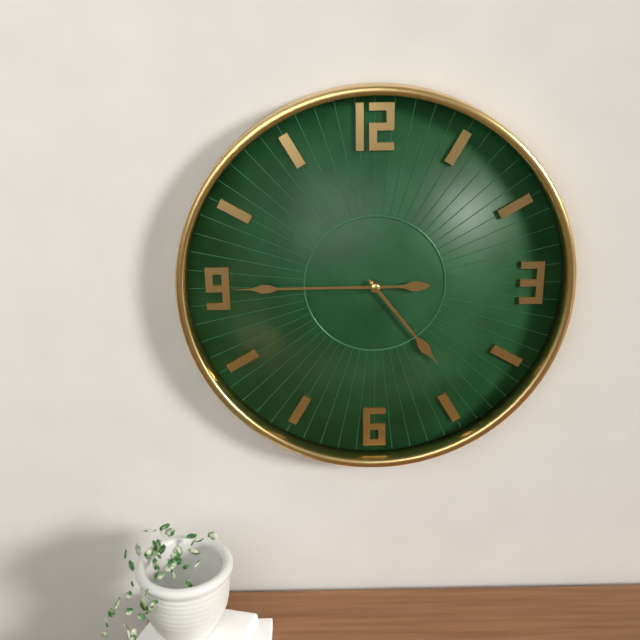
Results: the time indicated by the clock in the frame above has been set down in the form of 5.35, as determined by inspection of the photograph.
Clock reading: 4.45
